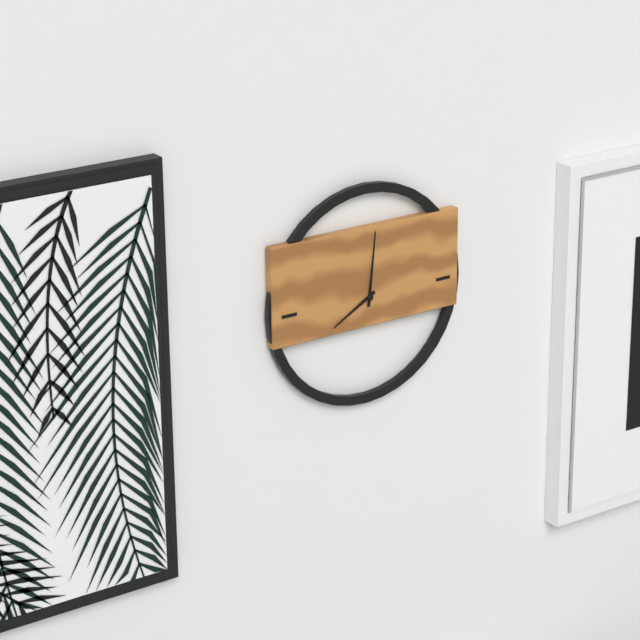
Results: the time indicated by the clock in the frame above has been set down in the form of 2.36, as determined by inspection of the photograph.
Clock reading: 8.01
